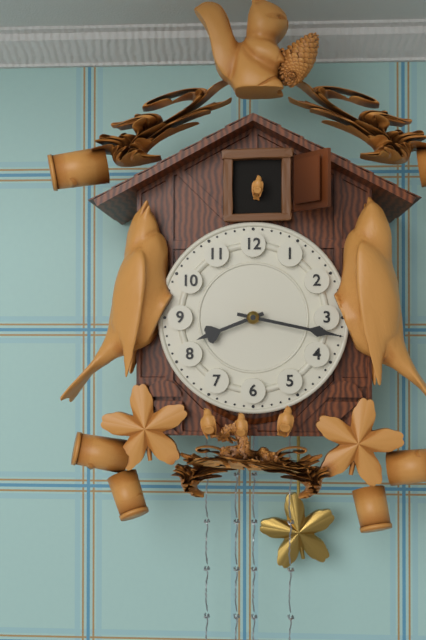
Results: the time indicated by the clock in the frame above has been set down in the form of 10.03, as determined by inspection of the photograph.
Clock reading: 8.17
